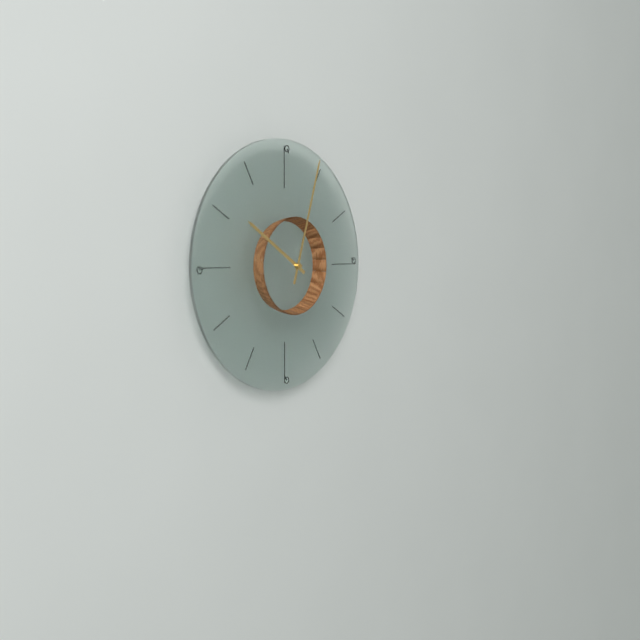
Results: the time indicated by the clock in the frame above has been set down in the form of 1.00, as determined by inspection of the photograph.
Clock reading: 10.03
